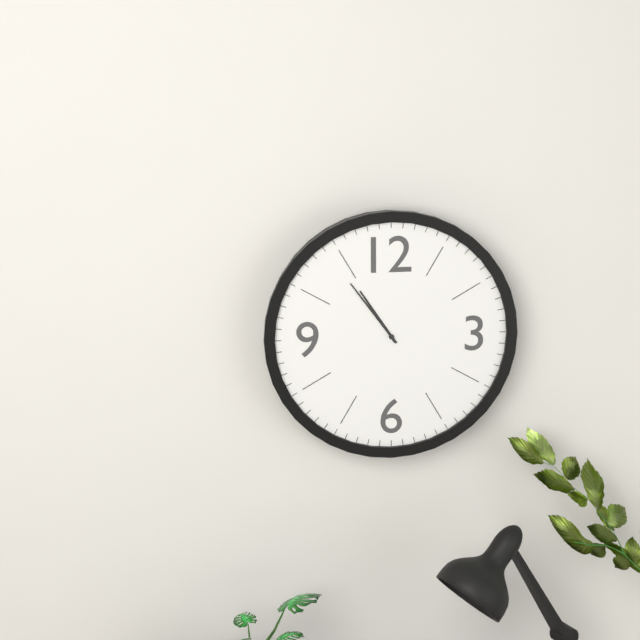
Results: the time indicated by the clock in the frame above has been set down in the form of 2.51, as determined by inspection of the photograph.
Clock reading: 10.54
